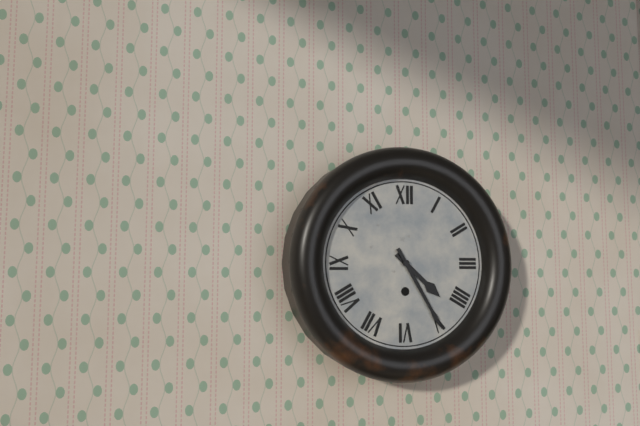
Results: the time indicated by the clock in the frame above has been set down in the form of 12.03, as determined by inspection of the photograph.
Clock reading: 4.25
